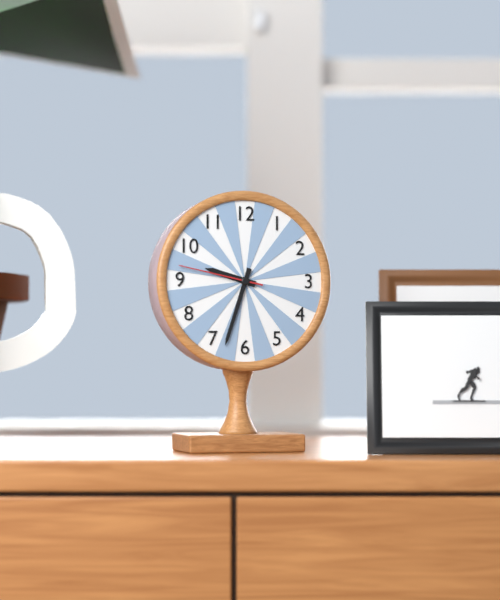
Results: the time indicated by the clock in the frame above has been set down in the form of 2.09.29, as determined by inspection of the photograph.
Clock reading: 9.33.47
